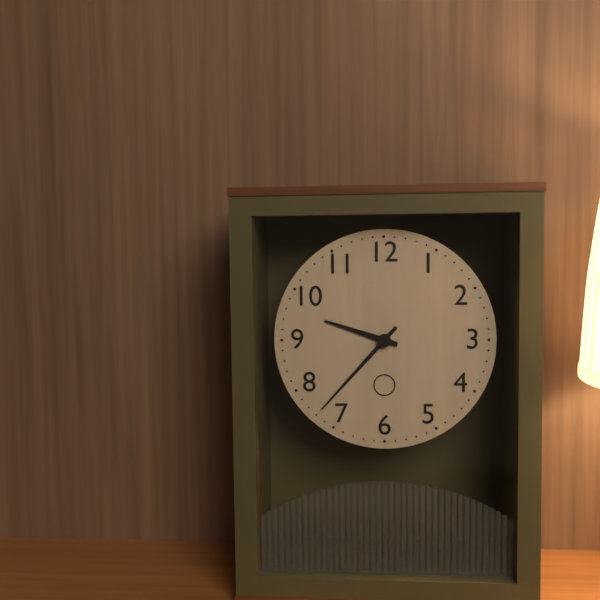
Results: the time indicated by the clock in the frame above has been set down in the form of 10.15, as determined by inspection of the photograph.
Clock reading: 9.37
